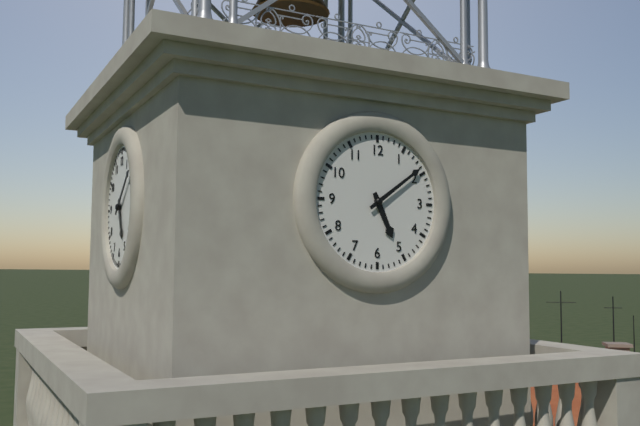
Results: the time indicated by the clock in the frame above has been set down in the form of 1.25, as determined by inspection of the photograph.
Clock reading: 5.09
